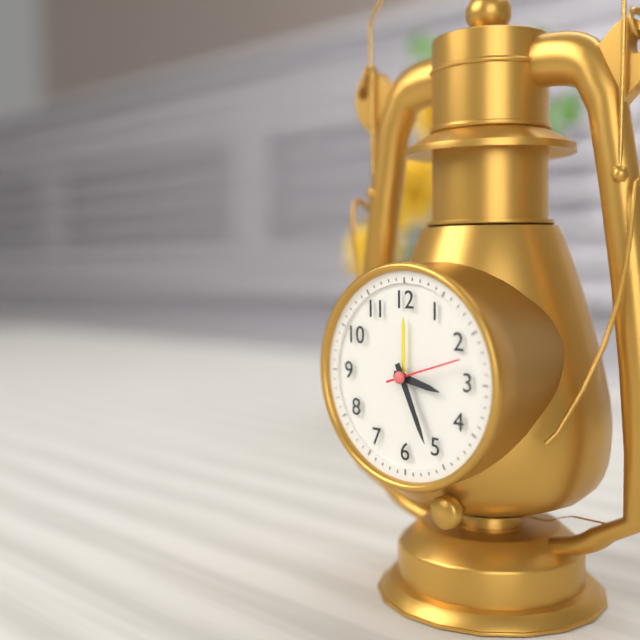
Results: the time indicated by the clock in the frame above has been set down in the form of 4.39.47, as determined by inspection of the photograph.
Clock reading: 3.26.12
